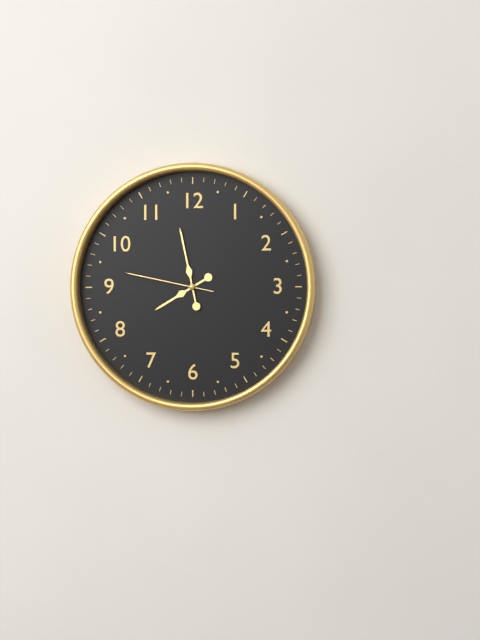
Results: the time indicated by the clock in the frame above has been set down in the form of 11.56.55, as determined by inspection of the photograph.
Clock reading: 7.58.47
